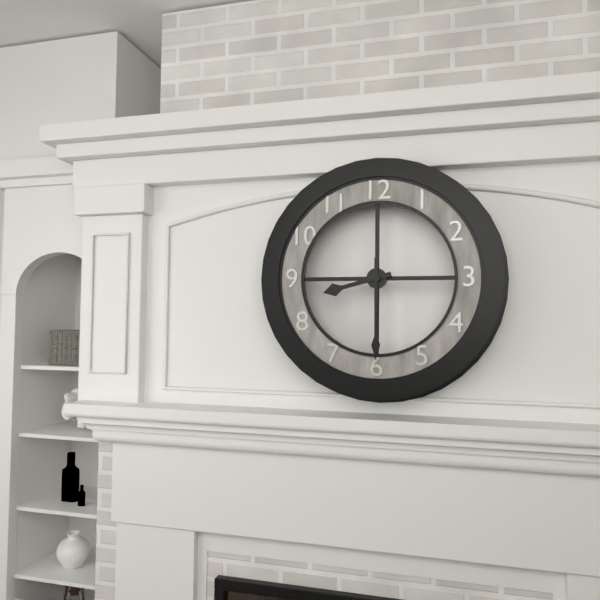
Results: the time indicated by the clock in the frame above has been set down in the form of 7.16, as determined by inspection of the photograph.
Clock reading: 8.30
